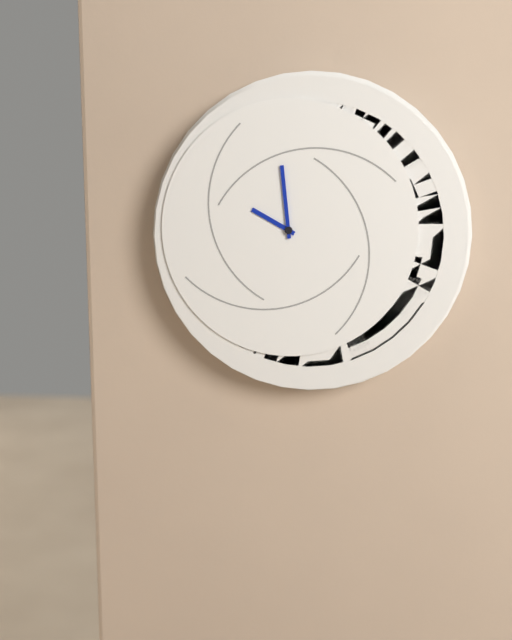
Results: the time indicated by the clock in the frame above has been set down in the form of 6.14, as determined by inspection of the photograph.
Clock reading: 9.59
